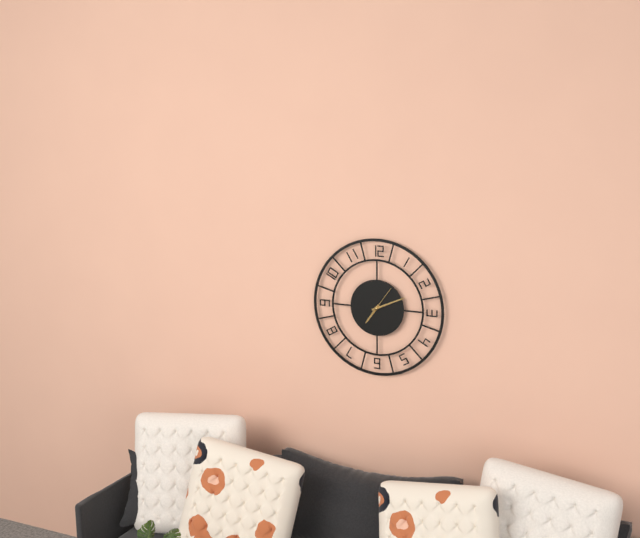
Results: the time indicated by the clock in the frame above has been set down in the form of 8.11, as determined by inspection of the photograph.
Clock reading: 7.11
